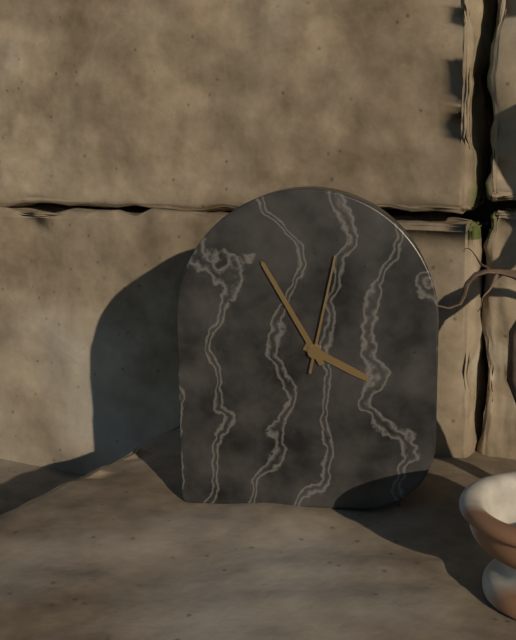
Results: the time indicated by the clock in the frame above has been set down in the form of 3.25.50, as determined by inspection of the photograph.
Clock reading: 3.55.02
